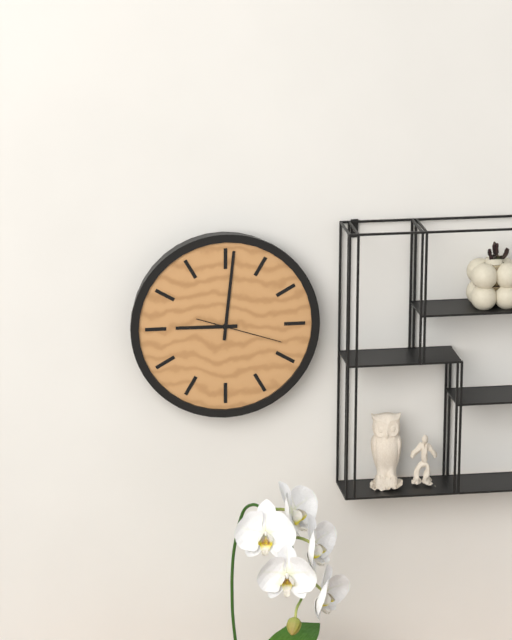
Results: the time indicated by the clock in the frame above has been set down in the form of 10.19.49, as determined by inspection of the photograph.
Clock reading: 9.01.18
